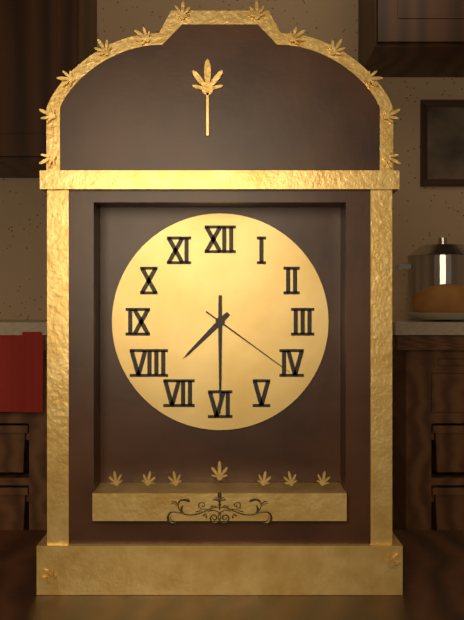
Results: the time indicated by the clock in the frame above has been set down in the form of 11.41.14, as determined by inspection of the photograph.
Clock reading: 7.30.21
